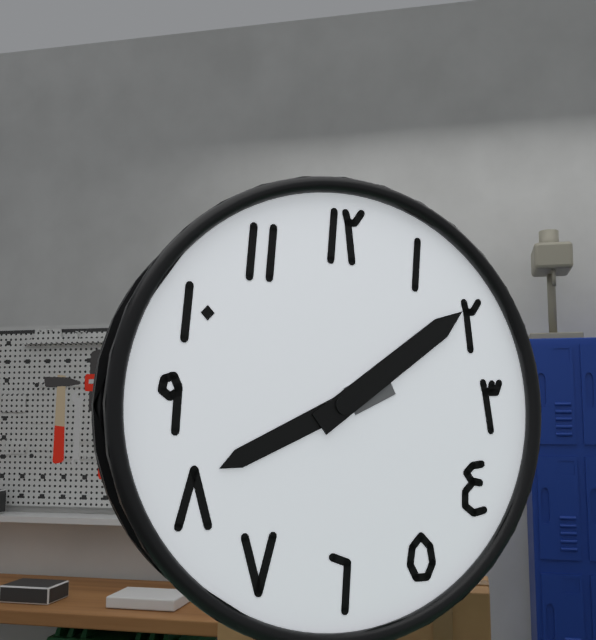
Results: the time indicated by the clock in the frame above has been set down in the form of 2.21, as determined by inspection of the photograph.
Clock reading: 8.09
